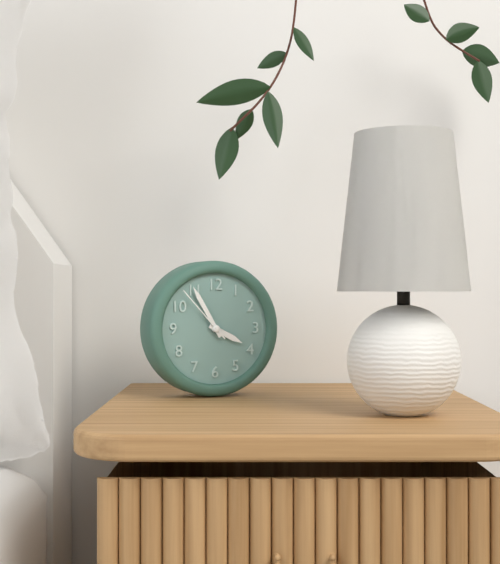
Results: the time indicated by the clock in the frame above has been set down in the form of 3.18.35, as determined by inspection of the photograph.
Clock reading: 3.55.53
